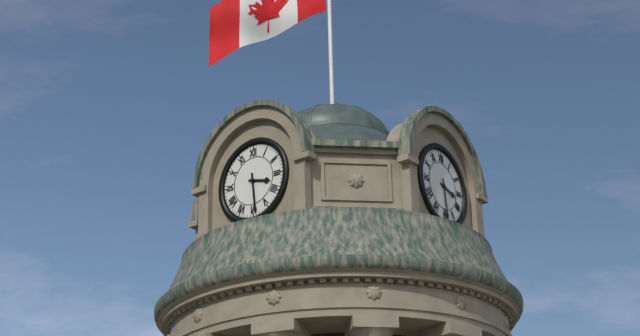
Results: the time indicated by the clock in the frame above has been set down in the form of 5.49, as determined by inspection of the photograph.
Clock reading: 3.29
